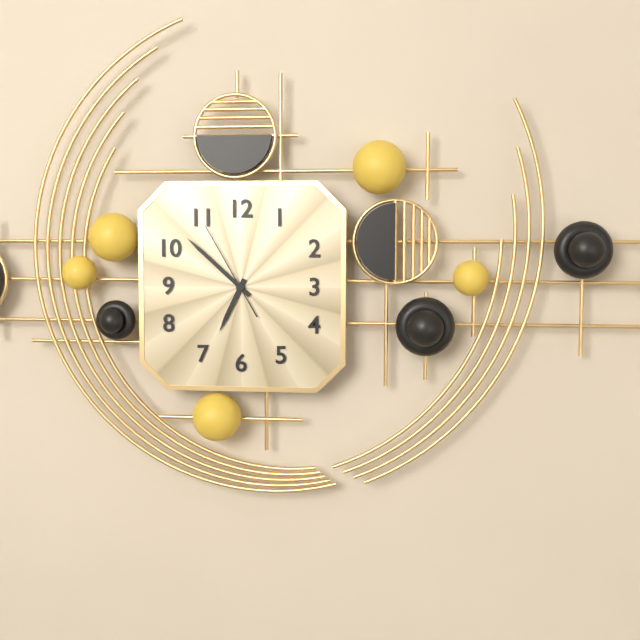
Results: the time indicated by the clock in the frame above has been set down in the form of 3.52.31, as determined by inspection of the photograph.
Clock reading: 6.52.55
